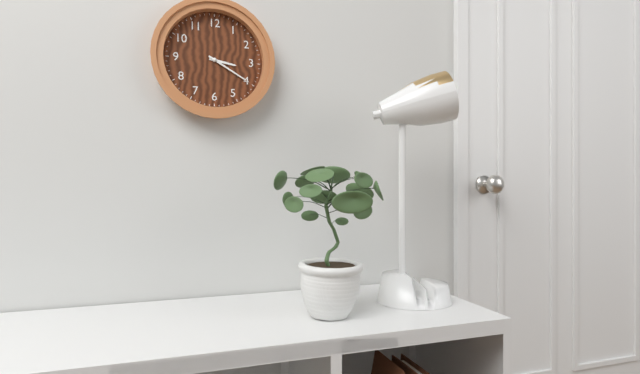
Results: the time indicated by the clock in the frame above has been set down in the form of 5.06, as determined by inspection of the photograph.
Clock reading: 3.20
